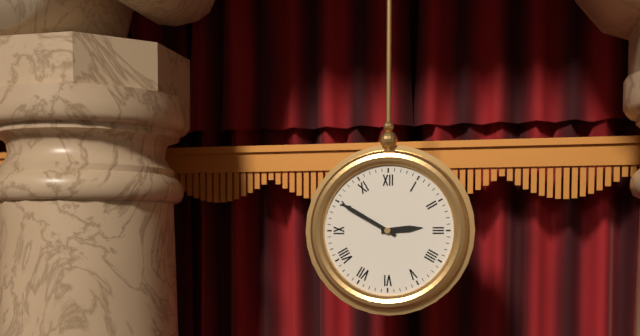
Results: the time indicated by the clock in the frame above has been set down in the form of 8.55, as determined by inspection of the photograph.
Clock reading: 2.50
